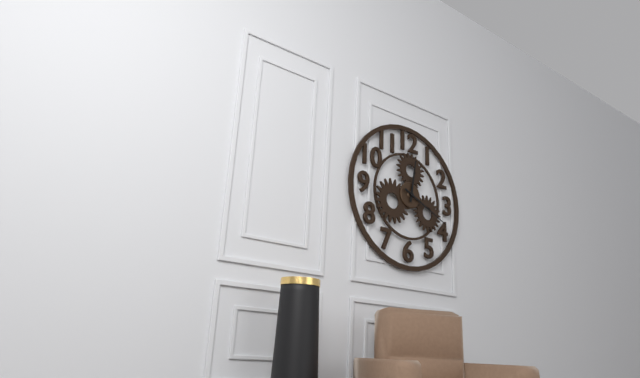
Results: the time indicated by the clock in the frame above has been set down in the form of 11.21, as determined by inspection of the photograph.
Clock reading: 12.19
